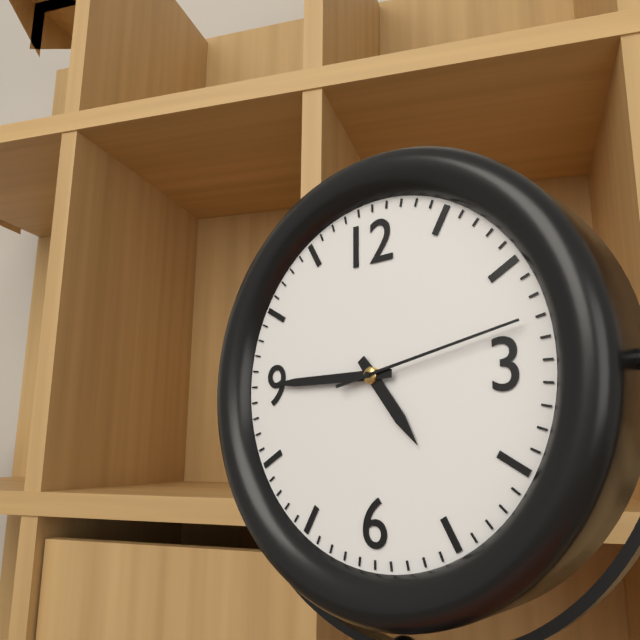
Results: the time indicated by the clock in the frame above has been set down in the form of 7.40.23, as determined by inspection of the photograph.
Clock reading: 4.45.13
